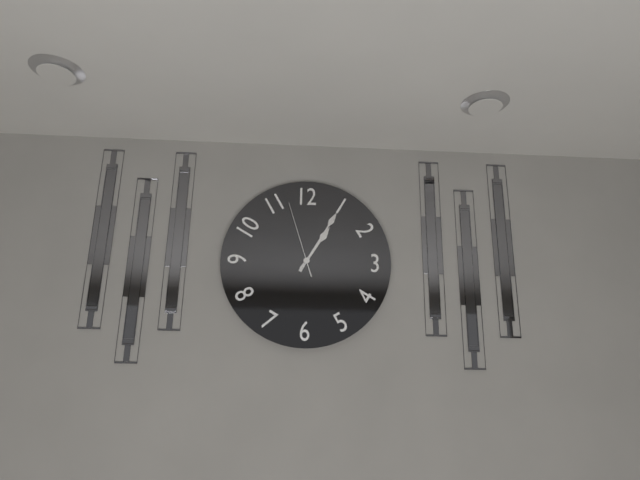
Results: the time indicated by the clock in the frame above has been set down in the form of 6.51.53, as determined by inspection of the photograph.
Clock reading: 1.05.57
